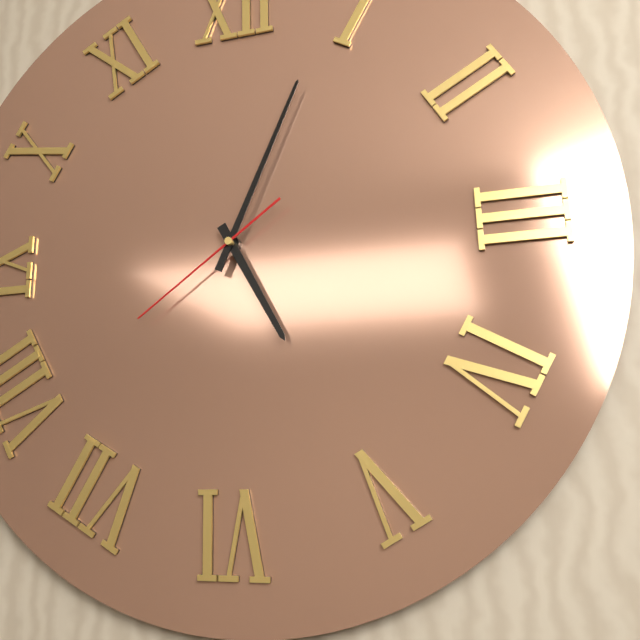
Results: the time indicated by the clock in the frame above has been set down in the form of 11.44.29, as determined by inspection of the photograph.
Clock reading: 5.04.39
